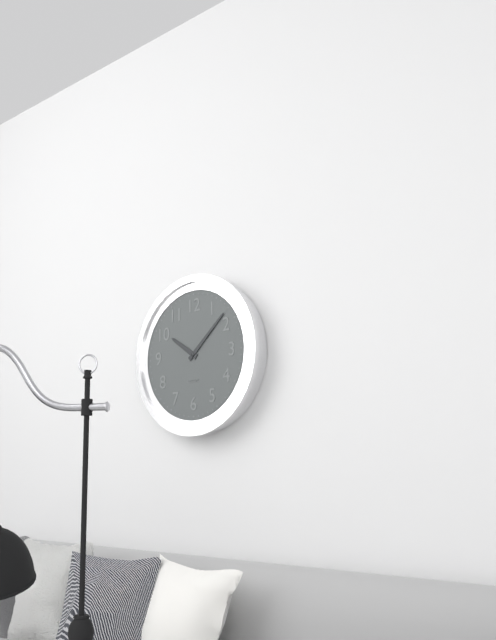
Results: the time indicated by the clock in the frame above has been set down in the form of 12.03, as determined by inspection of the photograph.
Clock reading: 10.08
